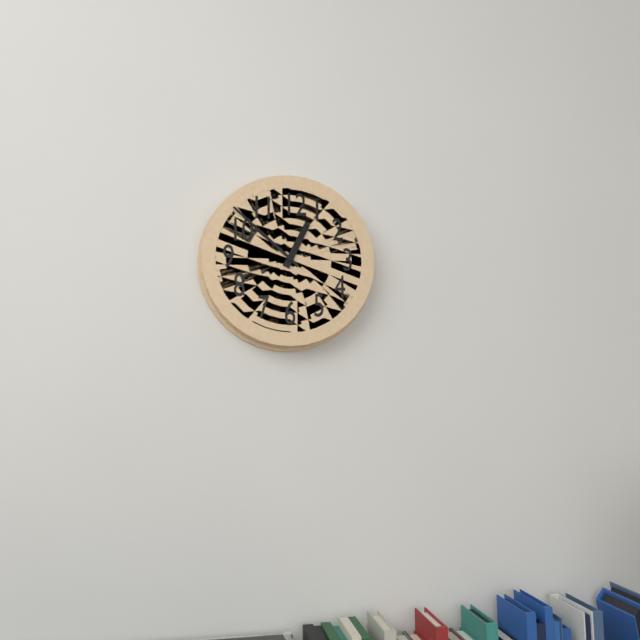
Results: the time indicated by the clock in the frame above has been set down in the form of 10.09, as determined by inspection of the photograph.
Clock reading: 12.52
